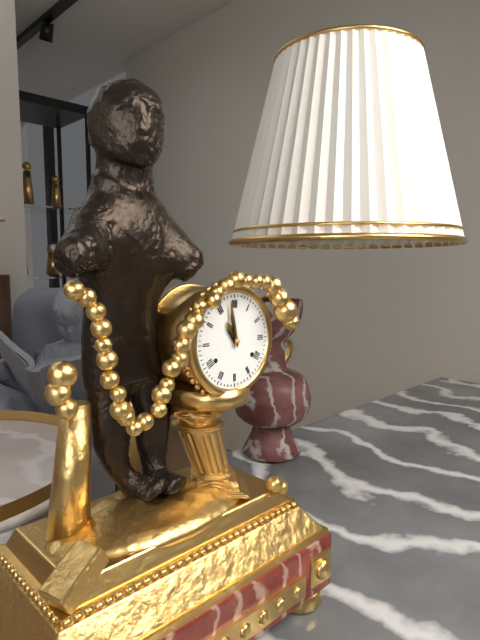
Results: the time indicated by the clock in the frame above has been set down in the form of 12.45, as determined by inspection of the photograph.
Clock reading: 10.58
